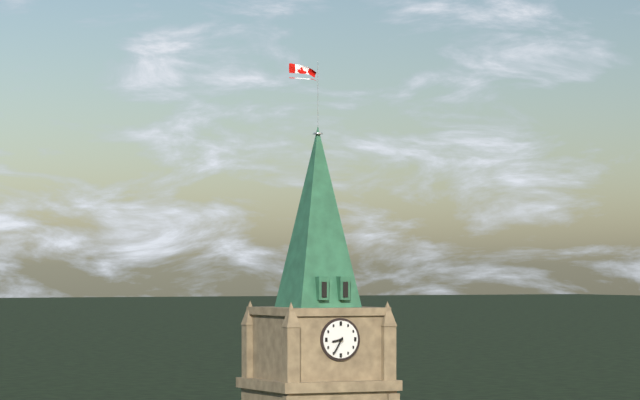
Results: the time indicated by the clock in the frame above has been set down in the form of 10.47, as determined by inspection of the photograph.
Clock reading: 8.35
